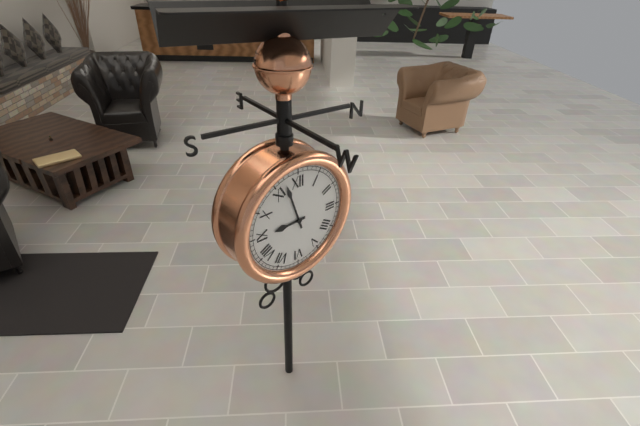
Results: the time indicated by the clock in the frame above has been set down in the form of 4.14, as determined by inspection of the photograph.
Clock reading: 8.57
